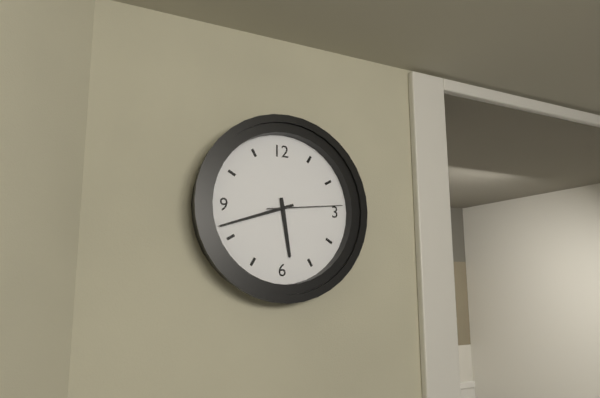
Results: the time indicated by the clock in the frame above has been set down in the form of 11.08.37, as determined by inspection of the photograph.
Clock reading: 5.42.14
